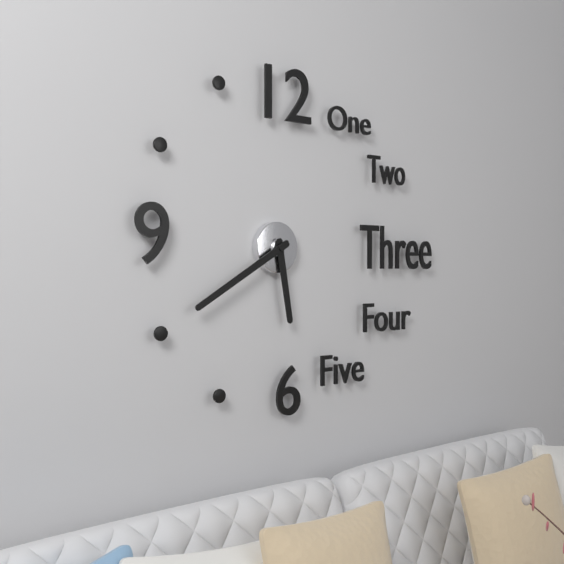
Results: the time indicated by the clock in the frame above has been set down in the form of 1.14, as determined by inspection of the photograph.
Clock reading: 5.40
